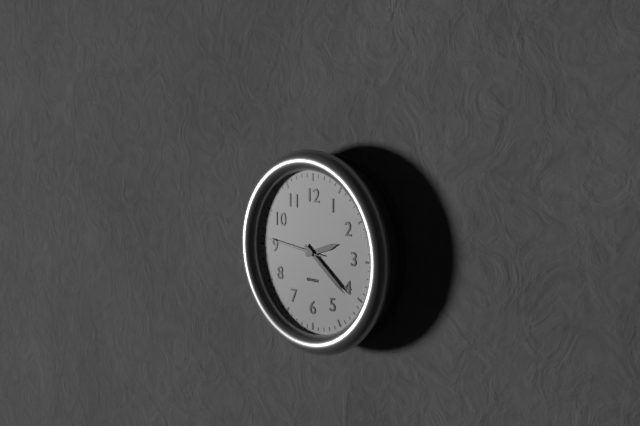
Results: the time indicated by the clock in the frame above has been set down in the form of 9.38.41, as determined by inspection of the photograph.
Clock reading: 2.21.46
